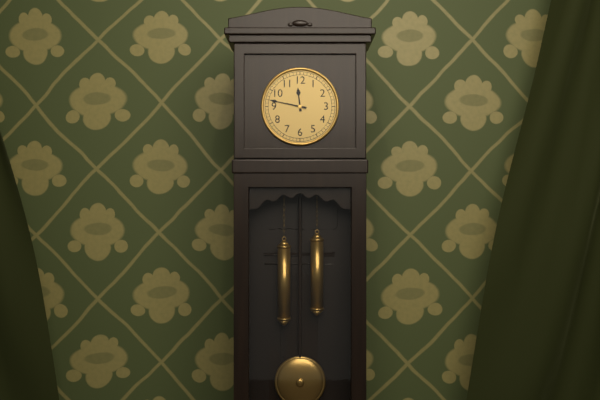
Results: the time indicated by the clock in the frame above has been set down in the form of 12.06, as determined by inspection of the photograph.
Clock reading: 11.47
